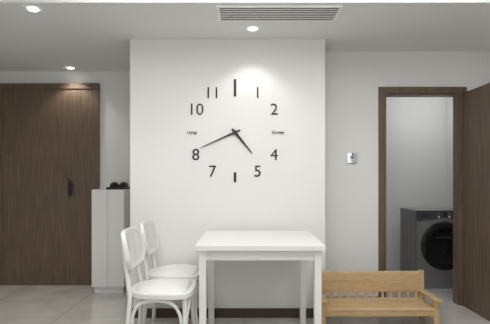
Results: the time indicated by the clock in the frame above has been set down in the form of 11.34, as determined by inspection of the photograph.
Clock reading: 4.41
